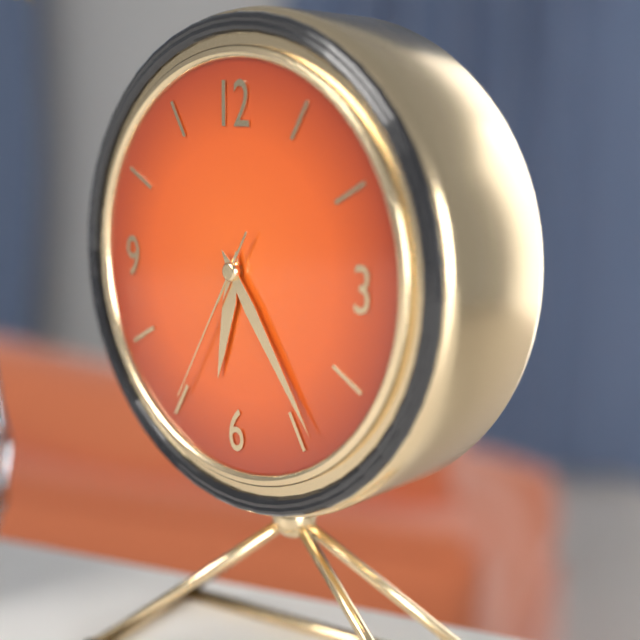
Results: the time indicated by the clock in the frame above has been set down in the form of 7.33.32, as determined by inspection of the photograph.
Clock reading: 6.24.35
